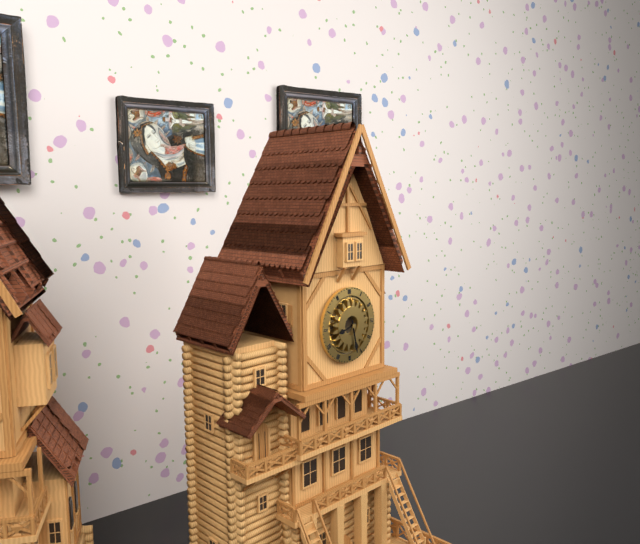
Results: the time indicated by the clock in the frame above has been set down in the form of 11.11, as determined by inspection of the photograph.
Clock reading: 8.28
